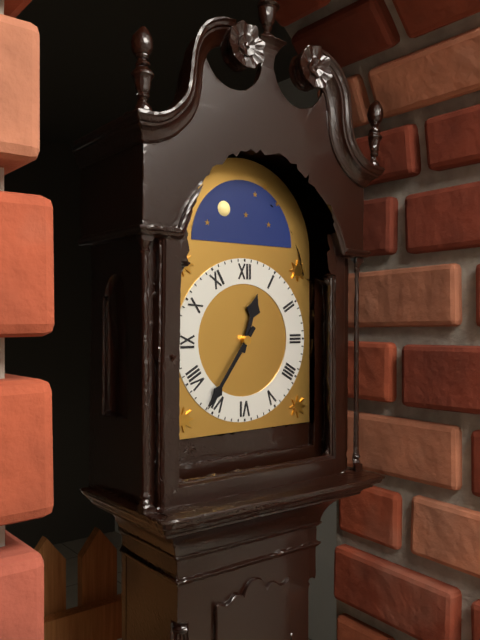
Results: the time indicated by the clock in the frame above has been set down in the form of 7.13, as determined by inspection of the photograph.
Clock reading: 12.36
